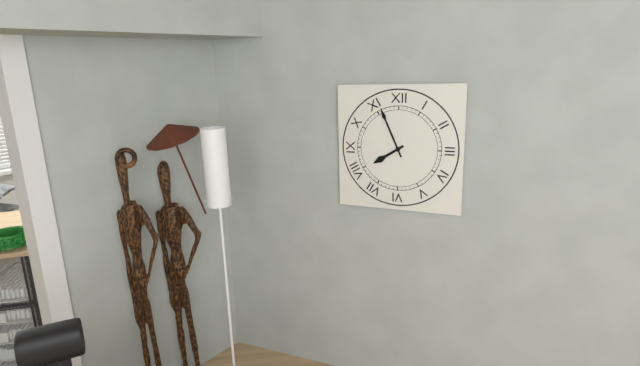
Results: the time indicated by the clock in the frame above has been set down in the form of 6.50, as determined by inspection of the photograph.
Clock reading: 7.56
